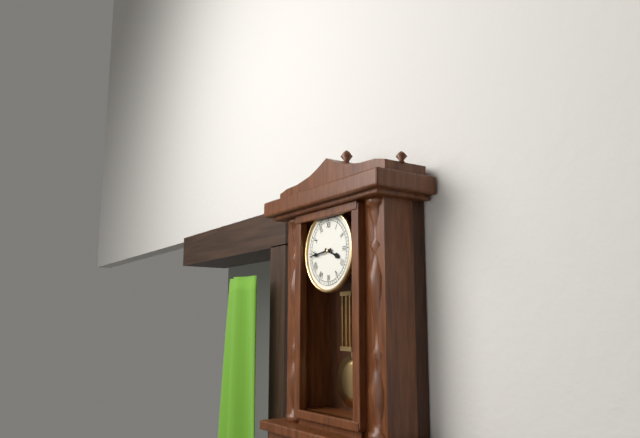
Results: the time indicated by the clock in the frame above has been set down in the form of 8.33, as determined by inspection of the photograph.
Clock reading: 3.44
